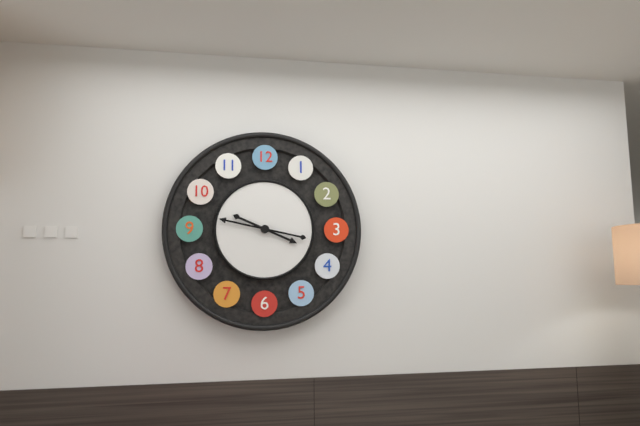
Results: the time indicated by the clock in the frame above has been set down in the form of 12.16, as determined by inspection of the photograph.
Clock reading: 3.47
